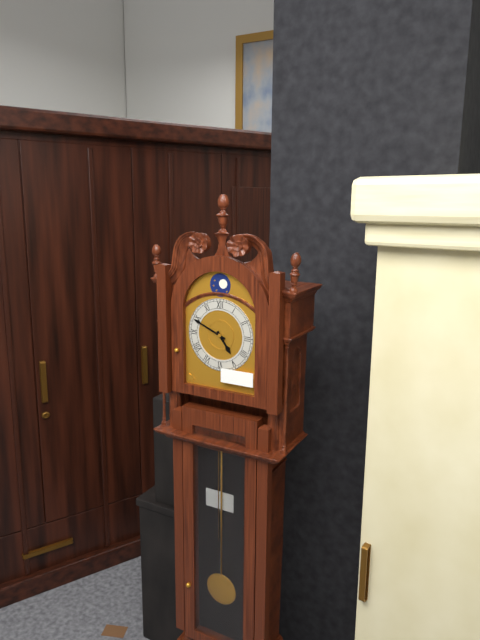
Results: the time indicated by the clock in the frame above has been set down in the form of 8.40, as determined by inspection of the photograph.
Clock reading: 4.49
